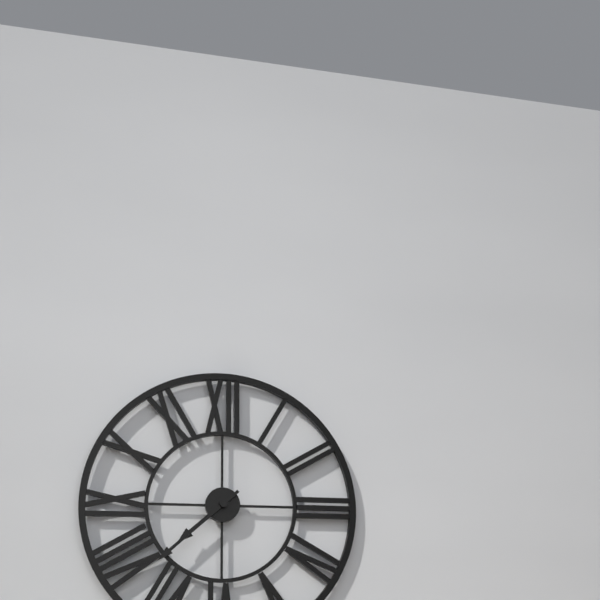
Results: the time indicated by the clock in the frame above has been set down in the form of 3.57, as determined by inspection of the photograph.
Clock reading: 7.38
